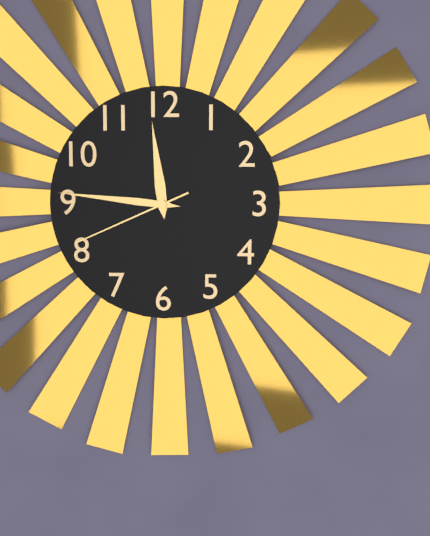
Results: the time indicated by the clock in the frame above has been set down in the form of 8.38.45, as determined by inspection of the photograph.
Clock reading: 11.46.41
